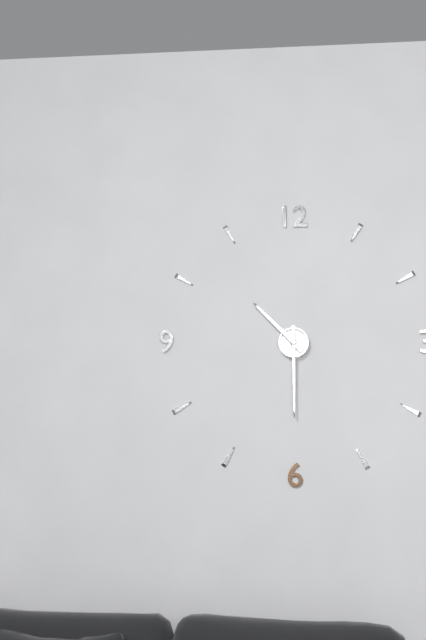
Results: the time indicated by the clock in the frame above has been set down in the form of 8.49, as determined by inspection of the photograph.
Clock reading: 10.30
